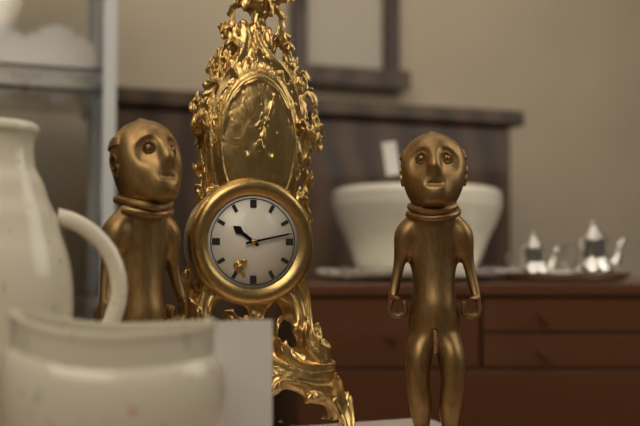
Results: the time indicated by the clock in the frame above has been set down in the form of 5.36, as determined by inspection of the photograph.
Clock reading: 10.13
